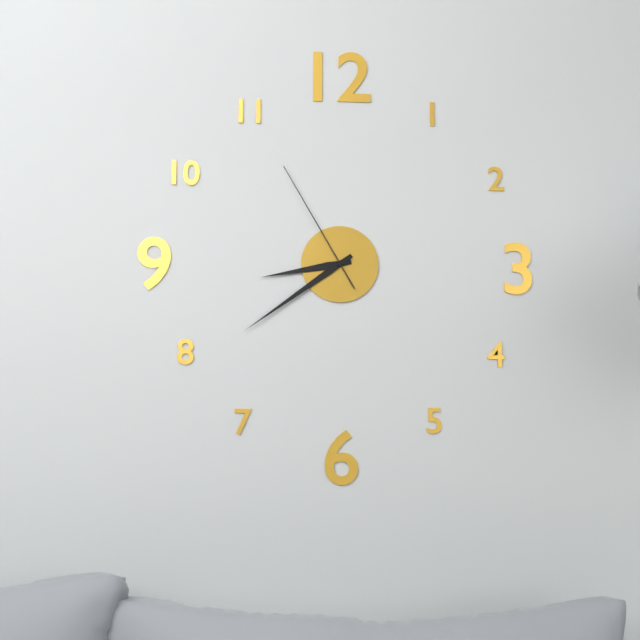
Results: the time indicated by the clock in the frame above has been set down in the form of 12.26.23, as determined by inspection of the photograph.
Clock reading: 8.39.55
